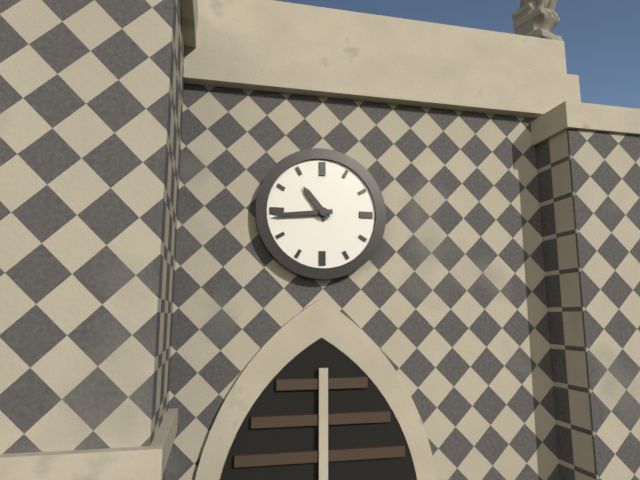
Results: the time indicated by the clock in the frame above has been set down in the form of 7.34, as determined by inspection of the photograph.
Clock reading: 10.44
